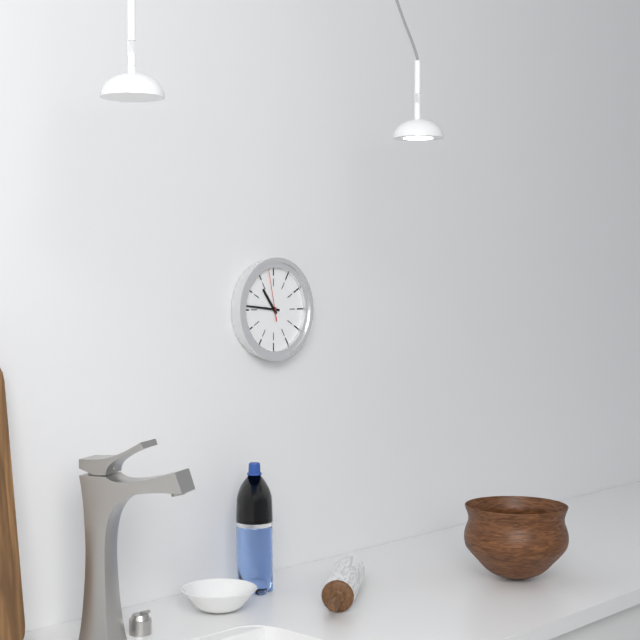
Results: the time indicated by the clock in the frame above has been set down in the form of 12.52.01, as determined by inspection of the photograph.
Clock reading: 10.46.58
